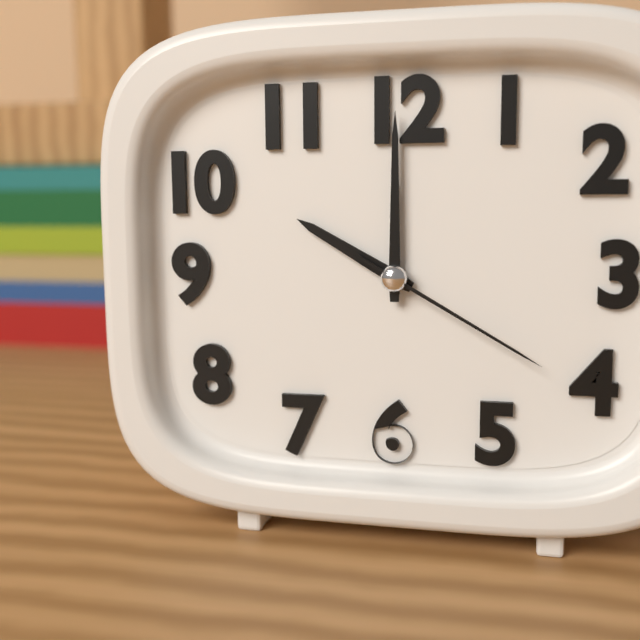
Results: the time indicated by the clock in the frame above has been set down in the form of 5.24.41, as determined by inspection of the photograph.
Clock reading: 10.00.20
